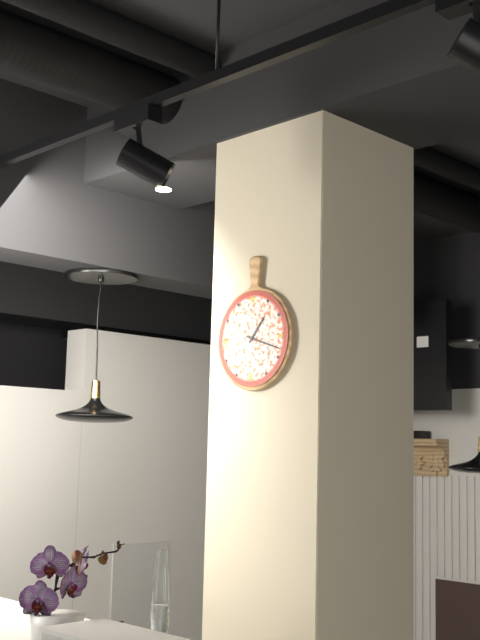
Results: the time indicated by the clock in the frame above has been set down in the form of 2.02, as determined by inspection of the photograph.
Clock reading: 1.18
